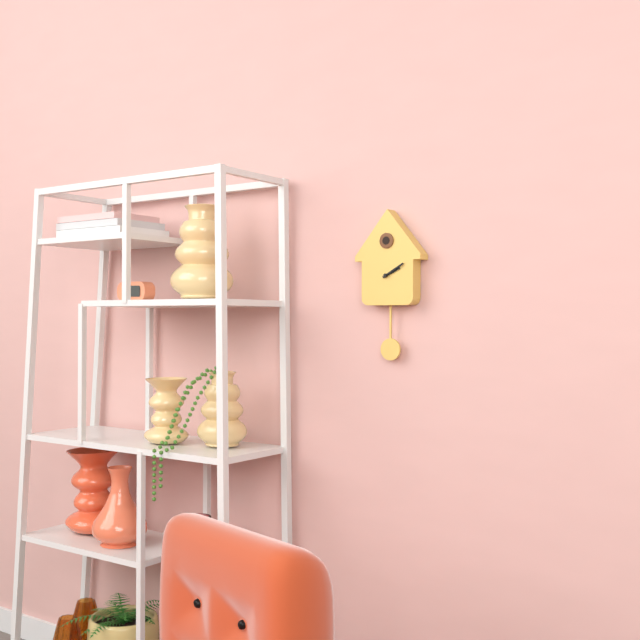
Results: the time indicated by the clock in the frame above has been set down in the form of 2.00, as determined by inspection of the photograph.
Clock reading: 2.10
